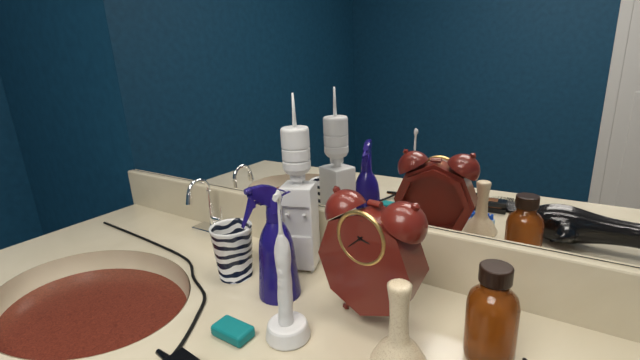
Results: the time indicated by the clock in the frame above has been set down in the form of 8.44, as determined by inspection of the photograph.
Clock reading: 3.38
